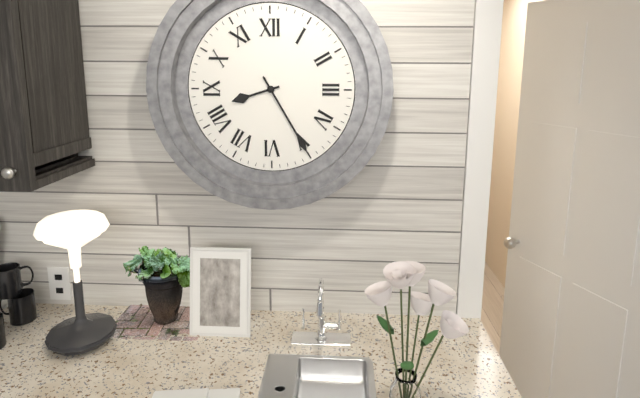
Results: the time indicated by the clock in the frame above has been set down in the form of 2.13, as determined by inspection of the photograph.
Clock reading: 8.25
